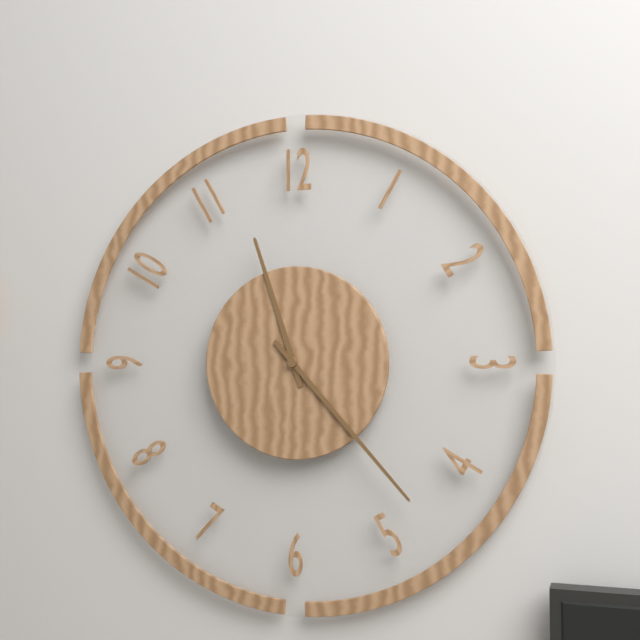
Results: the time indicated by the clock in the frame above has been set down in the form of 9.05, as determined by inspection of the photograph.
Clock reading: 11.23
